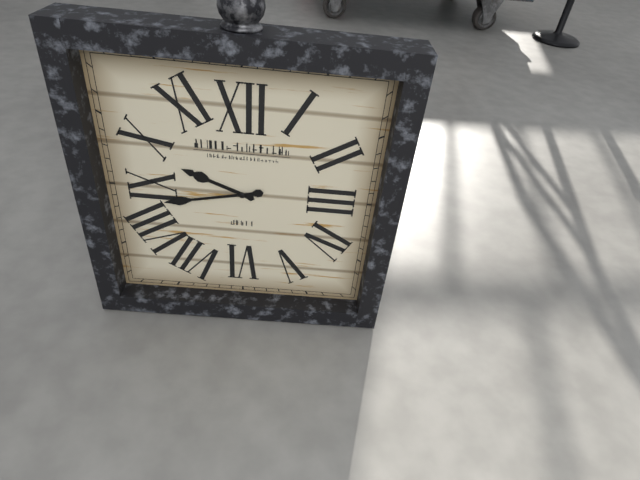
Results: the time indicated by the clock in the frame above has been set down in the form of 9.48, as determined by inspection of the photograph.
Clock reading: 9.43
